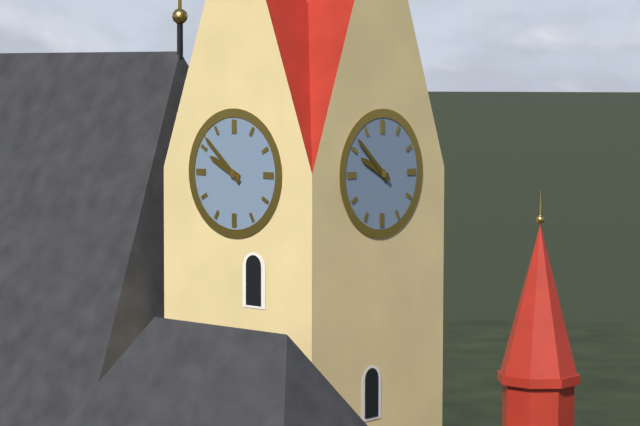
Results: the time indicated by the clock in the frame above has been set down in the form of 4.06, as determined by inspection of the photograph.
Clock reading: 9.52
